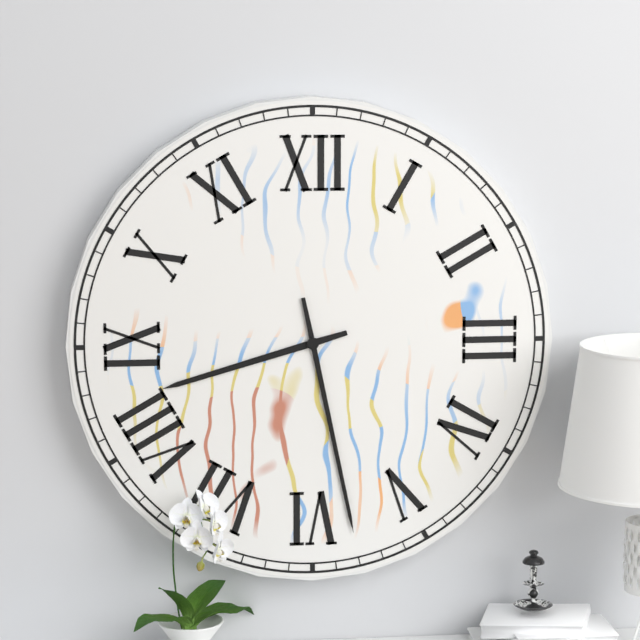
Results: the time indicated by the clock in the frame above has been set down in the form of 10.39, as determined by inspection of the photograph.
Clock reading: 8.28
